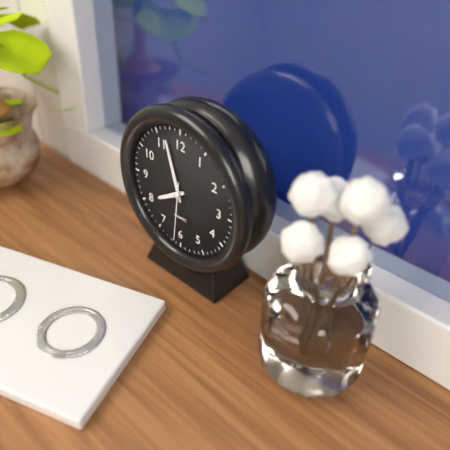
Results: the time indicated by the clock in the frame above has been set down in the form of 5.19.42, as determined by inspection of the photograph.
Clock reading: 7.57.31
